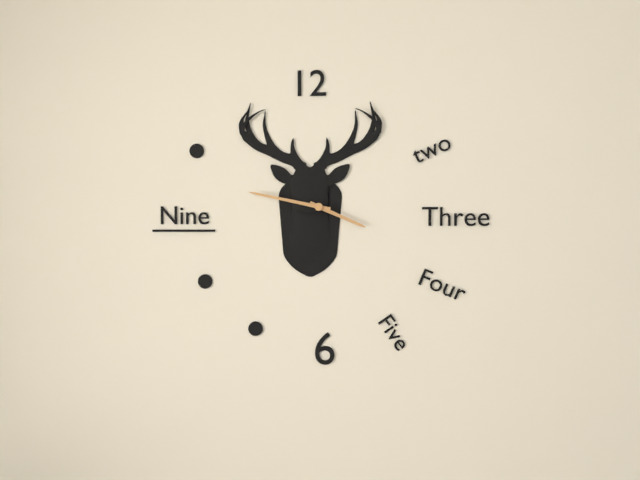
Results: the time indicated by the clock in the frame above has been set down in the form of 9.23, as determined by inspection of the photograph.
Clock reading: 3.47
